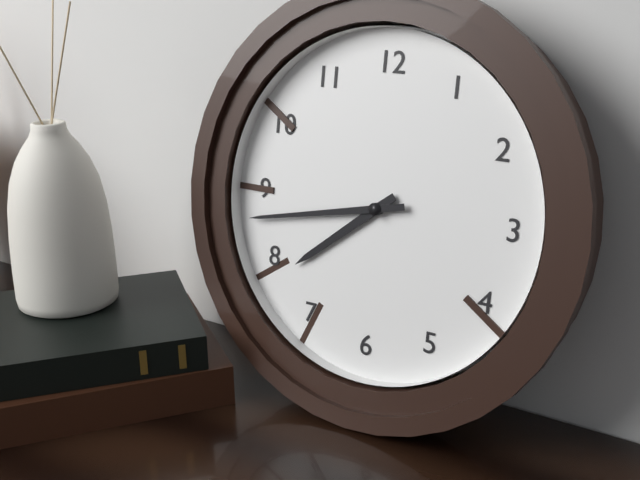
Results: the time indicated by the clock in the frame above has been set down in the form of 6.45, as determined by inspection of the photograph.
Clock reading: 7.43
